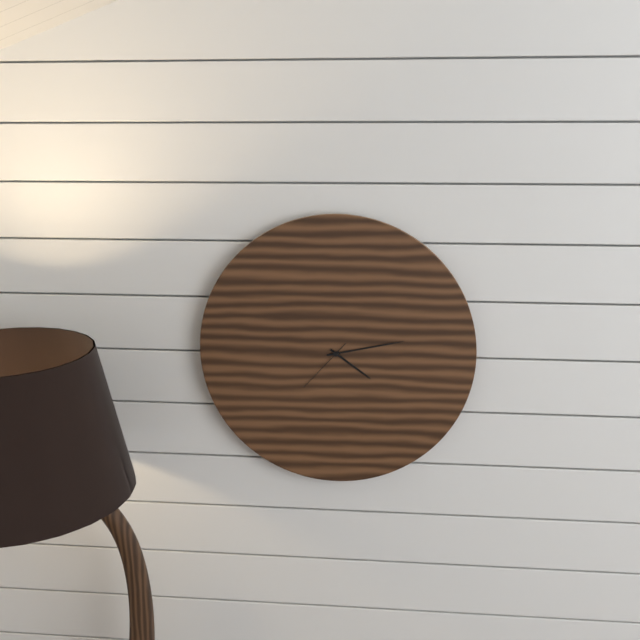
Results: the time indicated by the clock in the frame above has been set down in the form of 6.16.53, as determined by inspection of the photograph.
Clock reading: 4.13.37
